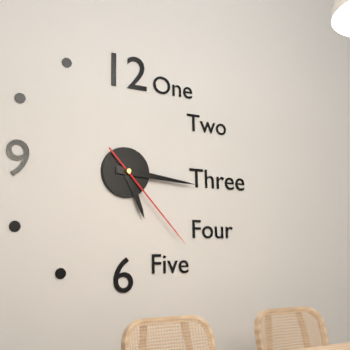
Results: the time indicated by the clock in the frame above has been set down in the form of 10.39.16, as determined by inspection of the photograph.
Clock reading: 5.16.23
